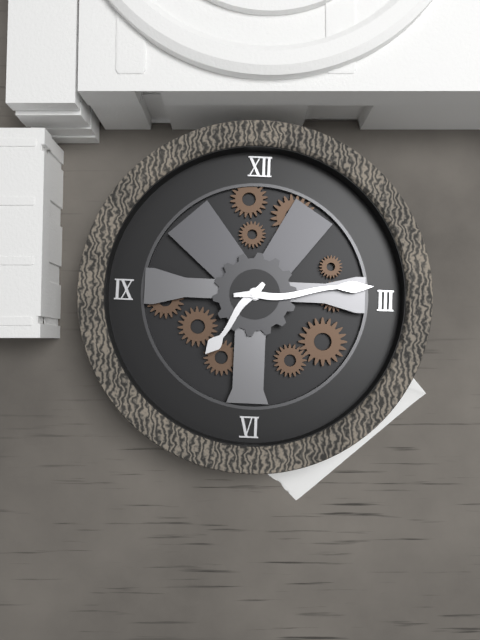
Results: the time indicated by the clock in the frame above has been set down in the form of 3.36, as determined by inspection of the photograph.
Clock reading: 7.14
